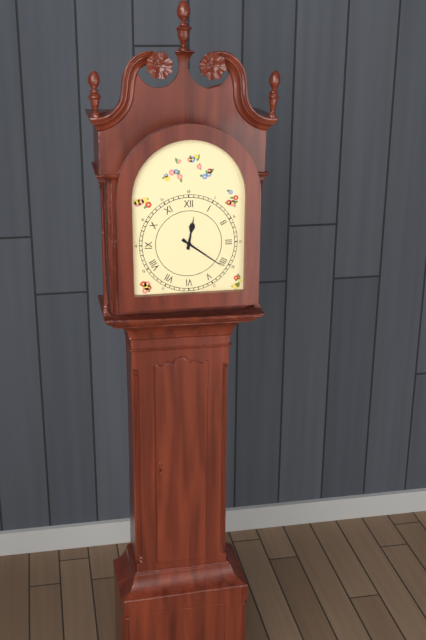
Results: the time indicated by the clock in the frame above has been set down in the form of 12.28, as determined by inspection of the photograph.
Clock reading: 12.21
